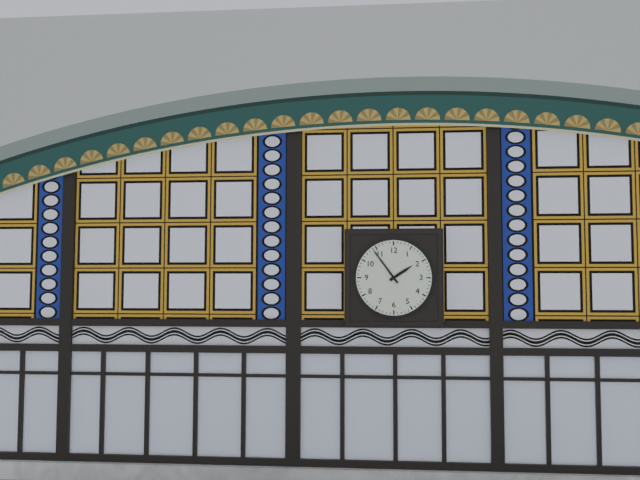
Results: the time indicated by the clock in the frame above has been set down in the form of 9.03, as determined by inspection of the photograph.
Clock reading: 1.54
